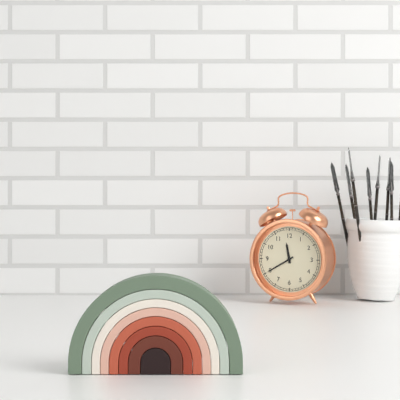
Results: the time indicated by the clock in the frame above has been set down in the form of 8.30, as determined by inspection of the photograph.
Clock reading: 11.40
